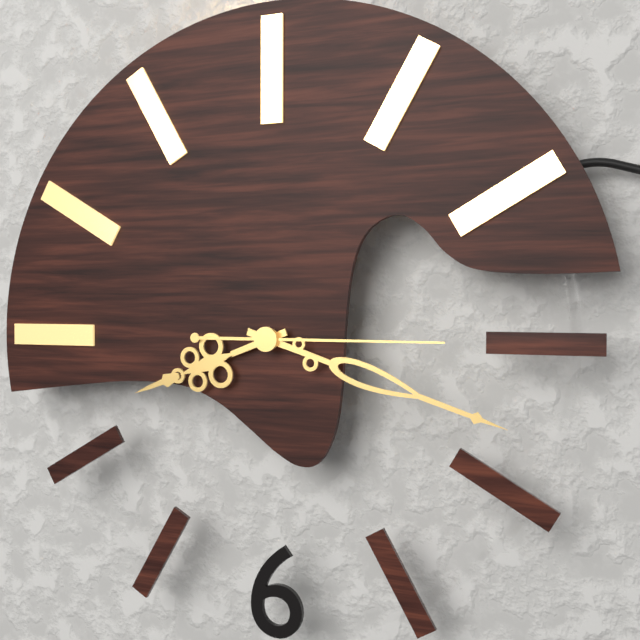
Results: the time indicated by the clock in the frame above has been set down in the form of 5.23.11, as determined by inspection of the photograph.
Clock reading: 8.18.15
